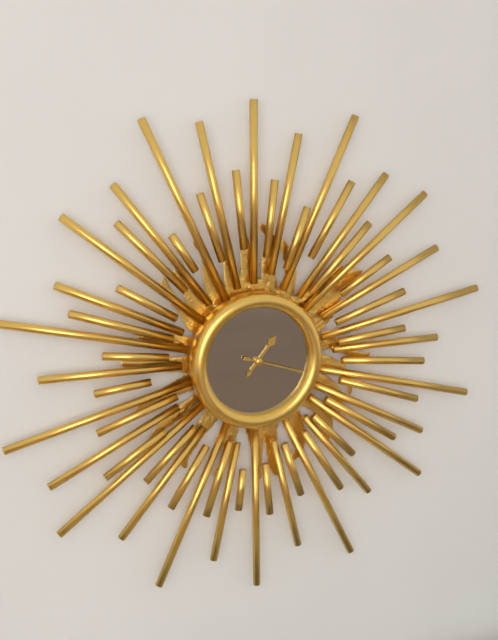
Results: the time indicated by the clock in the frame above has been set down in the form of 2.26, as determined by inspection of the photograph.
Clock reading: 1.18
